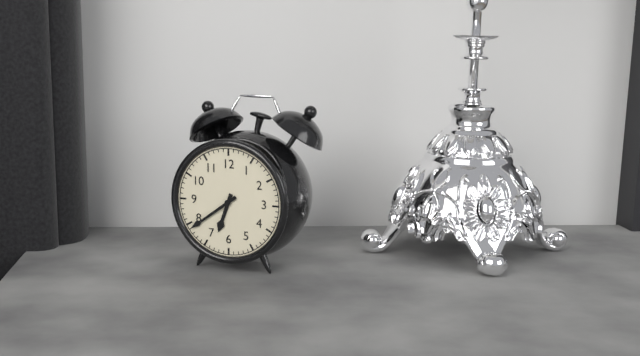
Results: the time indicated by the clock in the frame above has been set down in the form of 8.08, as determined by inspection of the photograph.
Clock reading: 6.39
